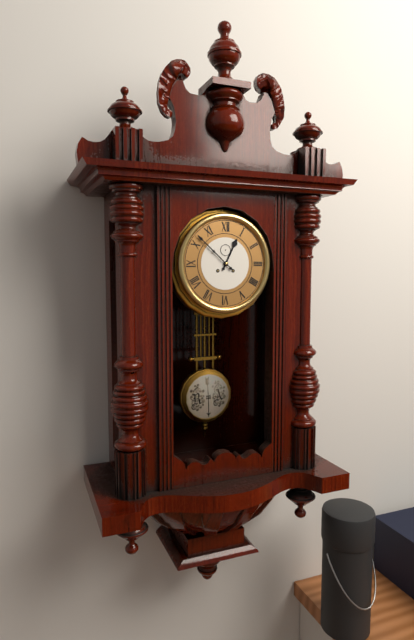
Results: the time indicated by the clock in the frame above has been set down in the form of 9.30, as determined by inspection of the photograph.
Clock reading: 12.52
